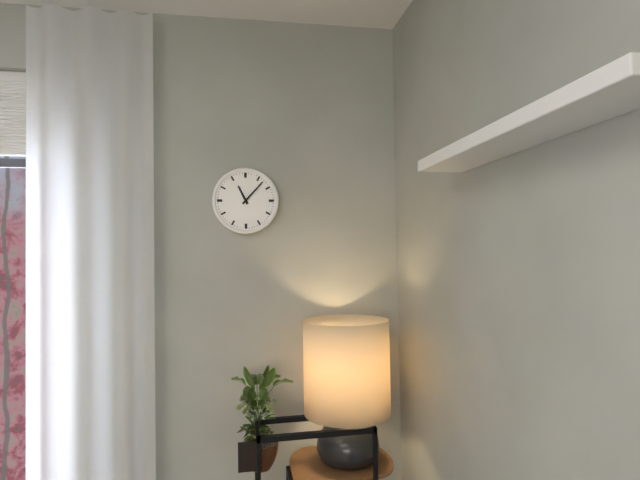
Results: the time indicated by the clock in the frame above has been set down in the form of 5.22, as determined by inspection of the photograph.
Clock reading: 11.07
